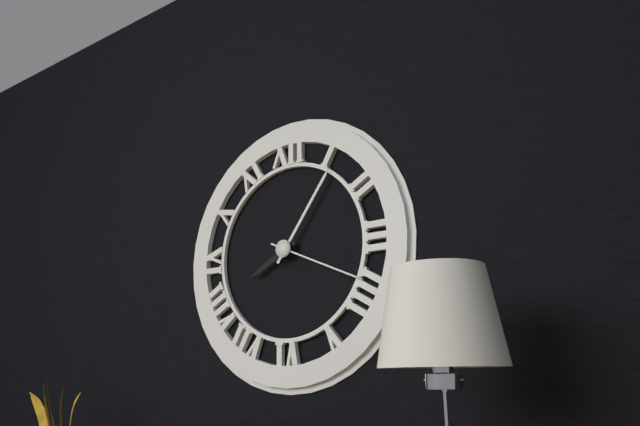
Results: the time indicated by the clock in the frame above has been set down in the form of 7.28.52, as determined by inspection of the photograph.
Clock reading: 8.06.19
